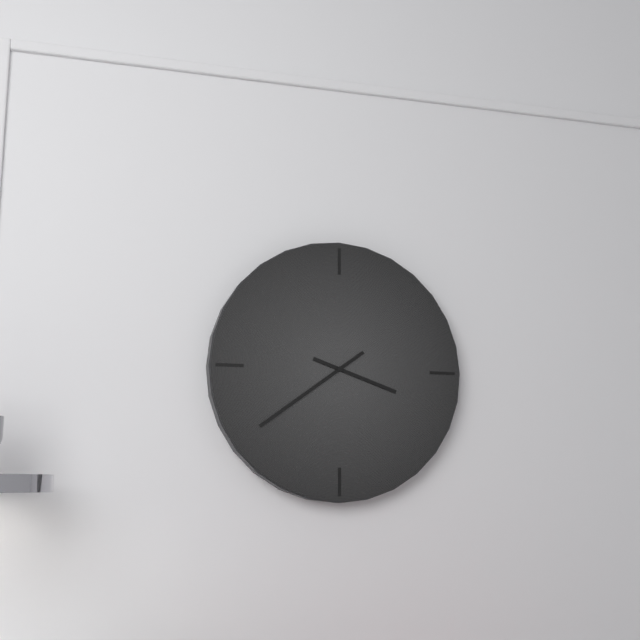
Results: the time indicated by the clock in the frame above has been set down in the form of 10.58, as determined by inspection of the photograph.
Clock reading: 3.39
